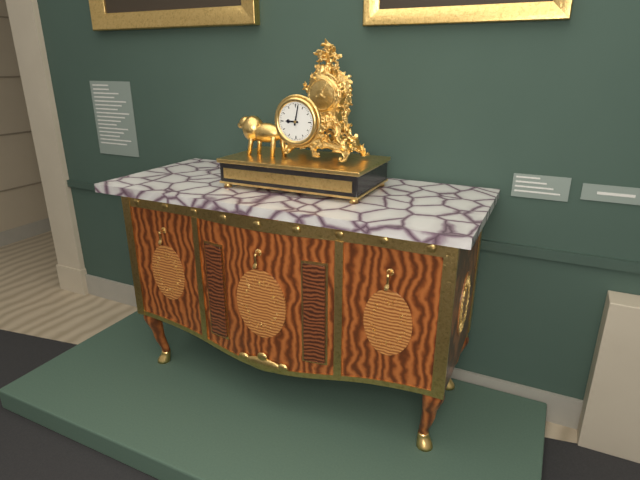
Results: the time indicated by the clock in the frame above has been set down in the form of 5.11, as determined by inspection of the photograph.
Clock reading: 9.02
